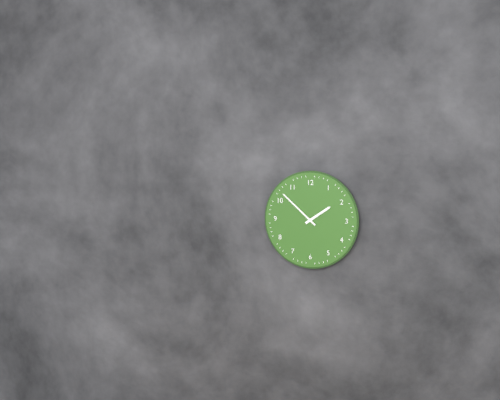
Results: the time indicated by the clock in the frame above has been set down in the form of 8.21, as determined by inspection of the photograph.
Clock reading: 1.52
